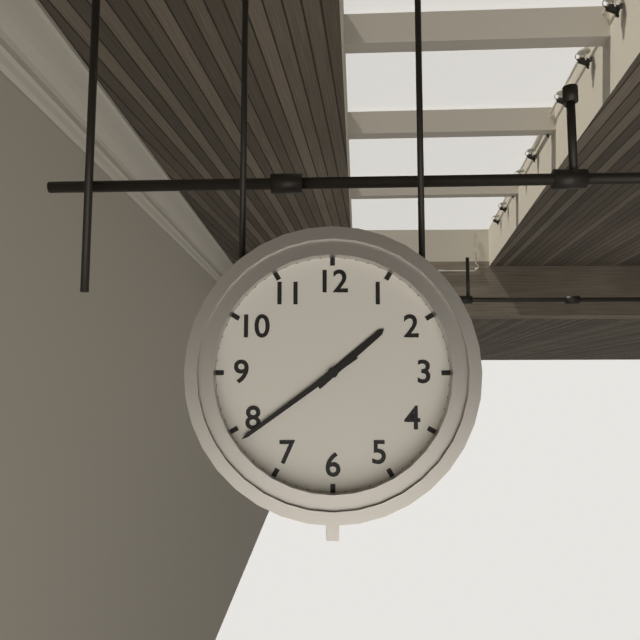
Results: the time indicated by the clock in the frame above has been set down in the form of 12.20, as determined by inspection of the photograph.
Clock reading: 1.39
